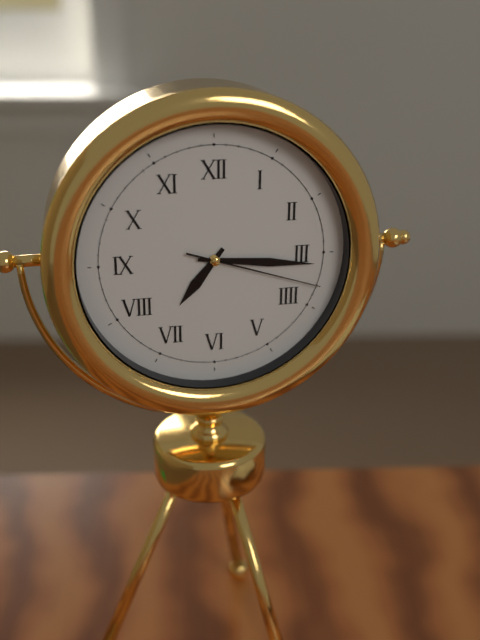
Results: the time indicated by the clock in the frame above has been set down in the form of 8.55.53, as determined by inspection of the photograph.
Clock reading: 7.16.18
